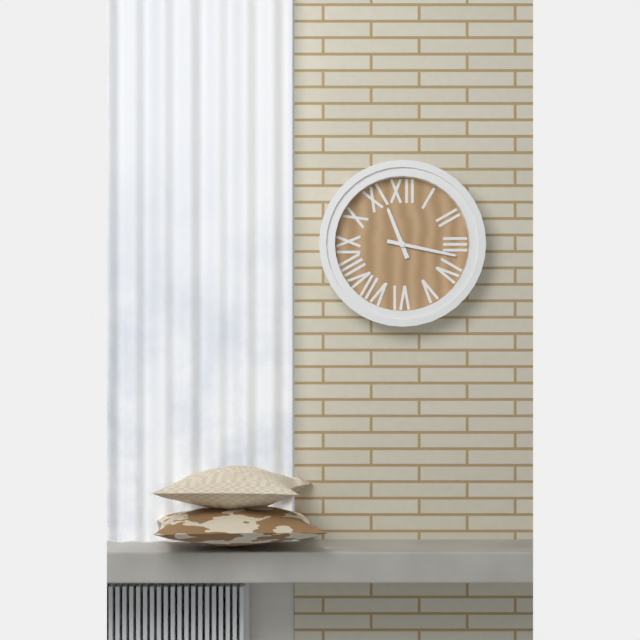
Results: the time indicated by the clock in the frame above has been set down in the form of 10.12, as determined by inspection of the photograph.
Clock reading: 11.17
